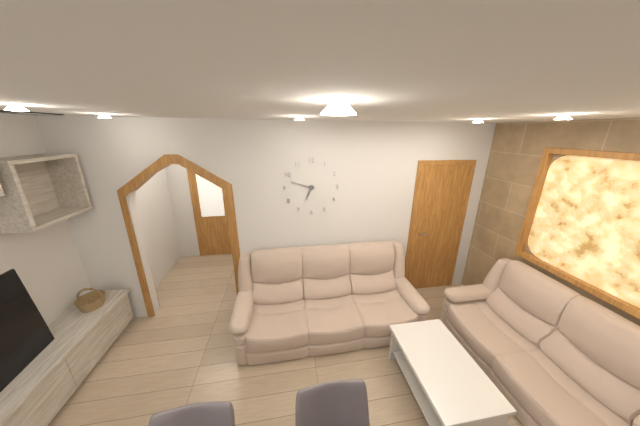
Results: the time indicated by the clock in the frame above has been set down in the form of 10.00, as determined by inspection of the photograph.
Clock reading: 6.48
